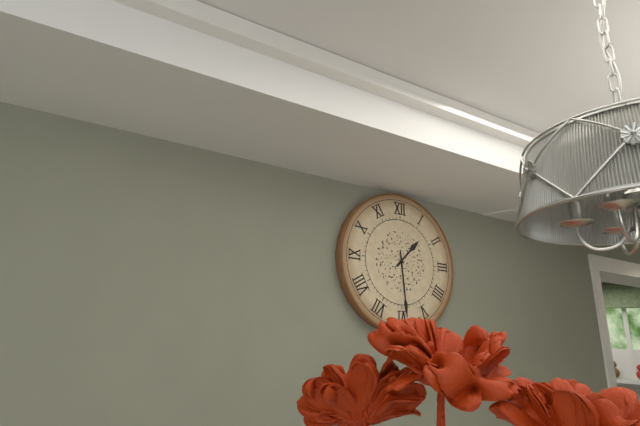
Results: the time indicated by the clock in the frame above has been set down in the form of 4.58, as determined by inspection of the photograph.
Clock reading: 1.29
